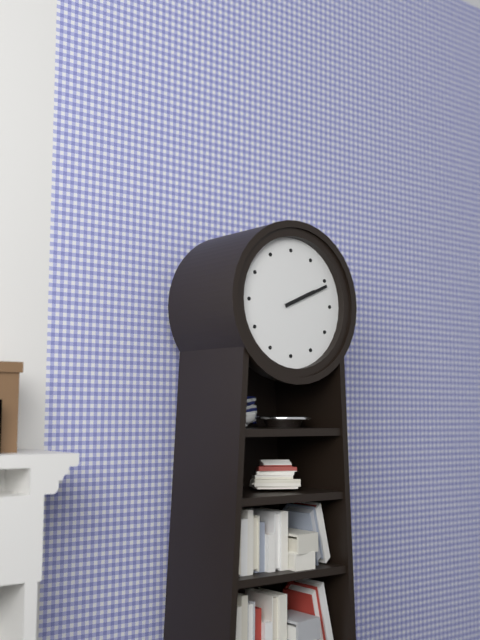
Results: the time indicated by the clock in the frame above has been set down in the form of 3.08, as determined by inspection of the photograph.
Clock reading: 2.11
